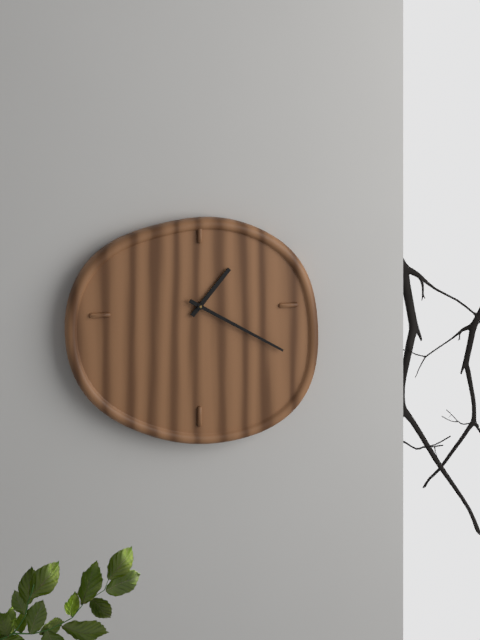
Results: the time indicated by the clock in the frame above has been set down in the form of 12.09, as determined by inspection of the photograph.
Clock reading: 1.20
